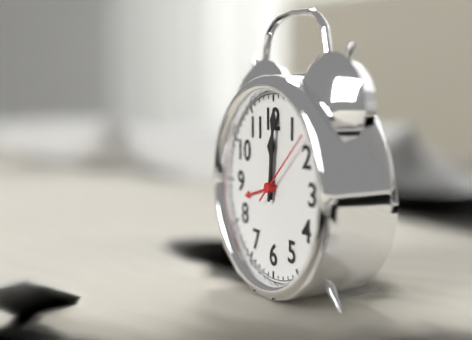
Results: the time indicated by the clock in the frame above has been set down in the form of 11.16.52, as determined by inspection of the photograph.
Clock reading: 12.01.08
